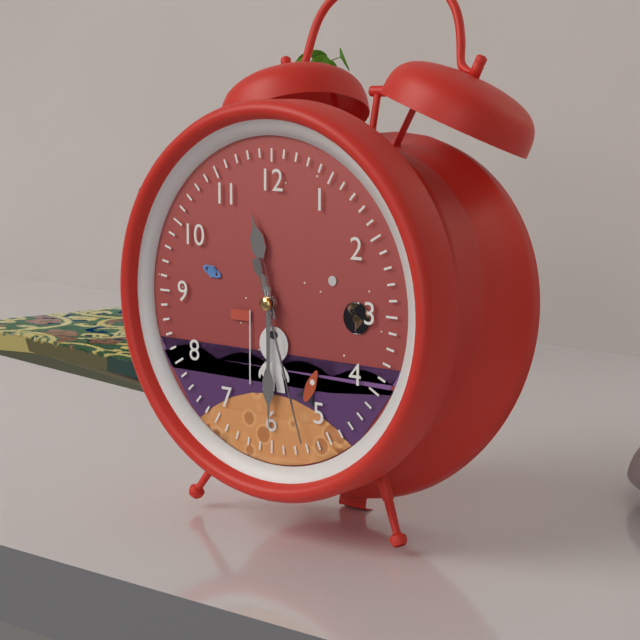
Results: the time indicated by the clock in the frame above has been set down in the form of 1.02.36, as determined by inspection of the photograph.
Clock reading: 11.30.27
